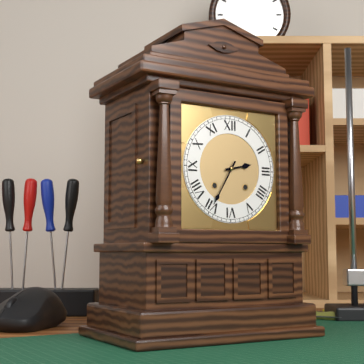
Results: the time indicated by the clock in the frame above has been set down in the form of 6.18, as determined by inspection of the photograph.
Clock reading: 2.35
